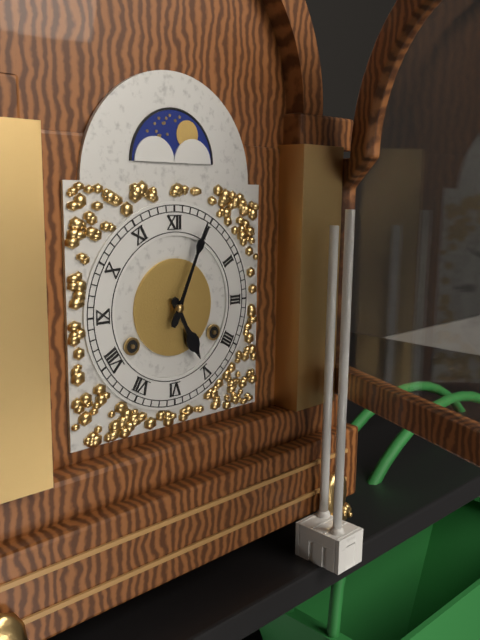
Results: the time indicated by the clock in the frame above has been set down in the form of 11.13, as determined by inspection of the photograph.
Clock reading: 5.04
